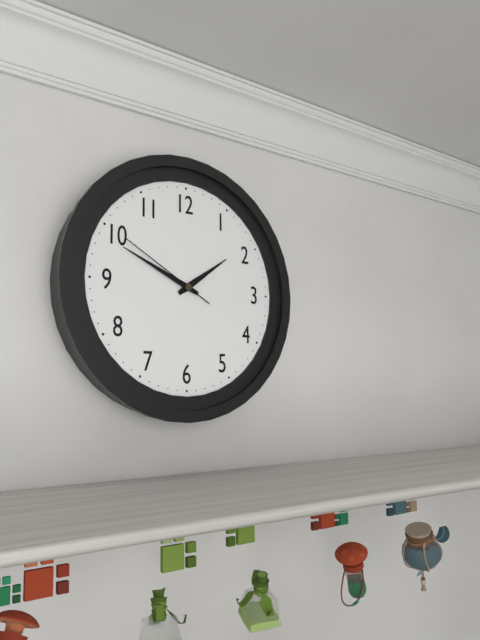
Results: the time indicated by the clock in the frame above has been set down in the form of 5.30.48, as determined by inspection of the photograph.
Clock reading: 1.49.50
